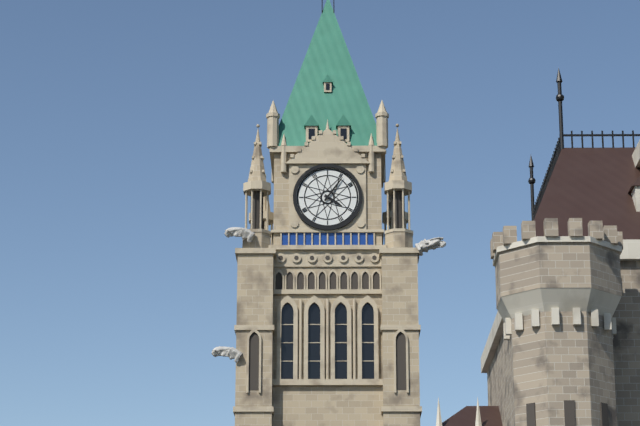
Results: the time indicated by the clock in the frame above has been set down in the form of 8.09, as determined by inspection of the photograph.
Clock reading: 4.06
